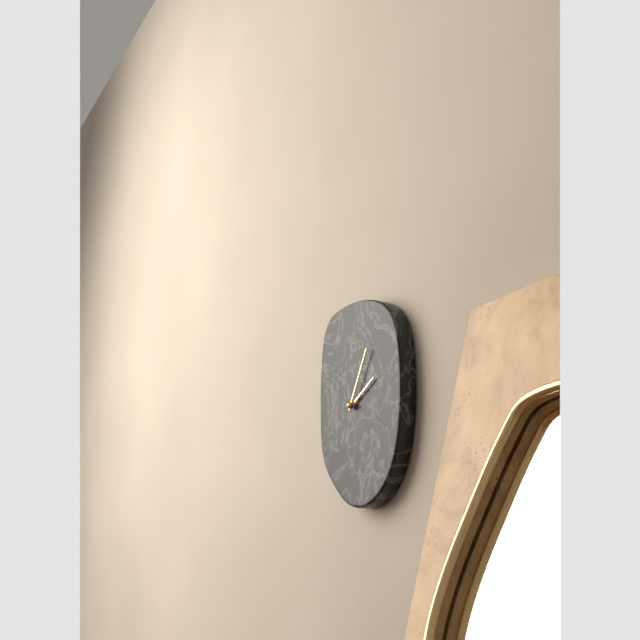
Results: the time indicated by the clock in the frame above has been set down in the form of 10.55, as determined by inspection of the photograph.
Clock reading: 2.05
